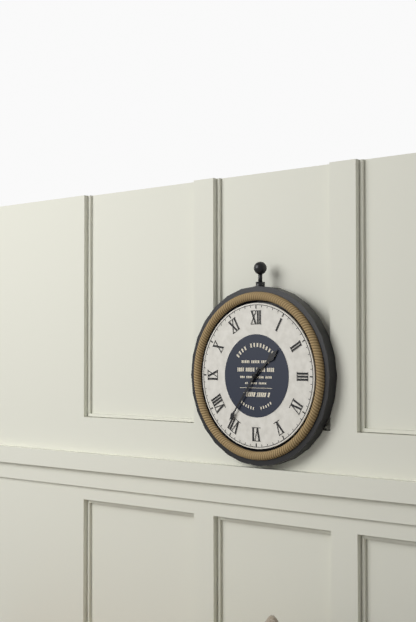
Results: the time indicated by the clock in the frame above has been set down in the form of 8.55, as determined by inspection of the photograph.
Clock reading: 1.36
